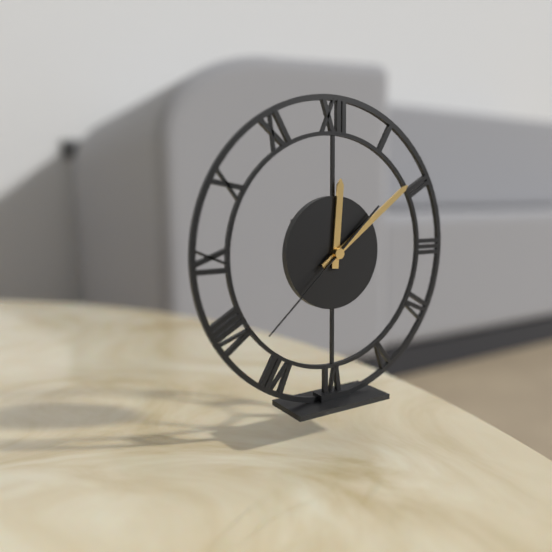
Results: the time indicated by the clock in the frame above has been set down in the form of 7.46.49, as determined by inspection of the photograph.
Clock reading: 12.09.38
